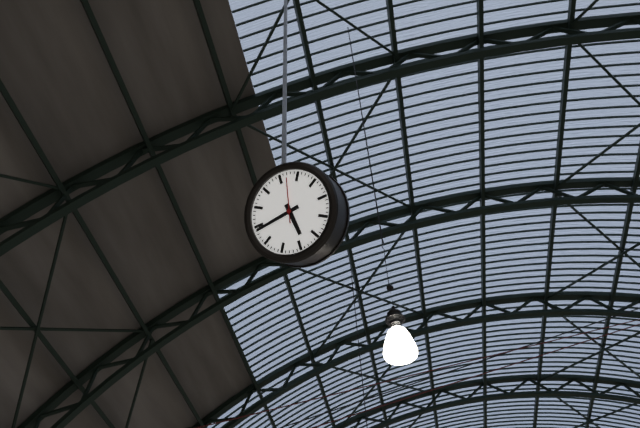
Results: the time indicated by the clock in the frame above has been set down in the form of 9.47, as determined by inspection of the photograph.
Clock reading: 5.44
